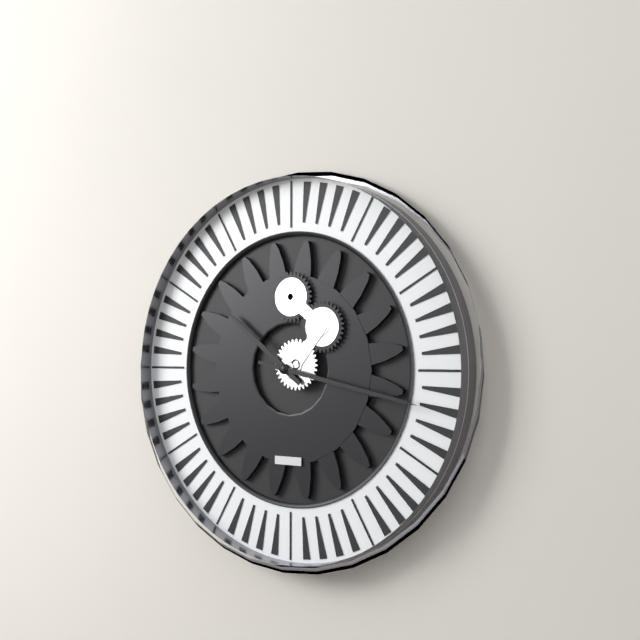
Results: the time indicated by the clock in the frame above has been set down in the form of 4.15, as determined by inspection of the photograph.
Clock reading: 10.17
